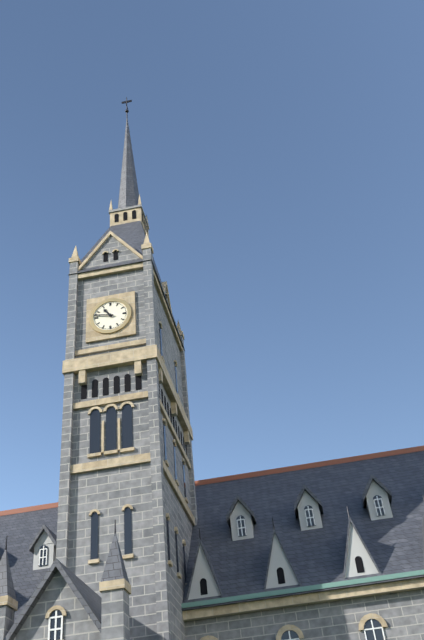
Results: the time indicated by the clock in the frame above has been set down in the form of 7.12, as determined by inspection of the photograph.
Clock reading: 10.47
